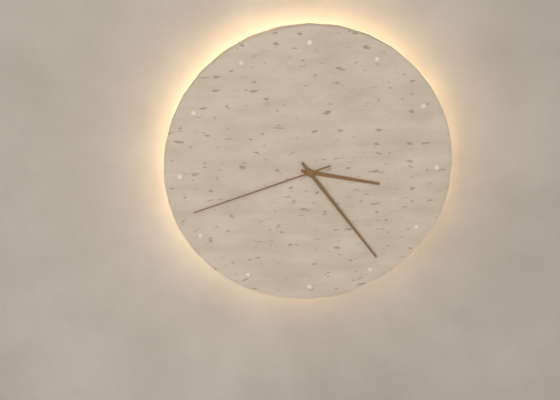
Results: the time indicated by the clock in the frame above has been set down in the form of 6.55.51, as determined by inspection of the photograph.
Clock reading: 3.24.42
